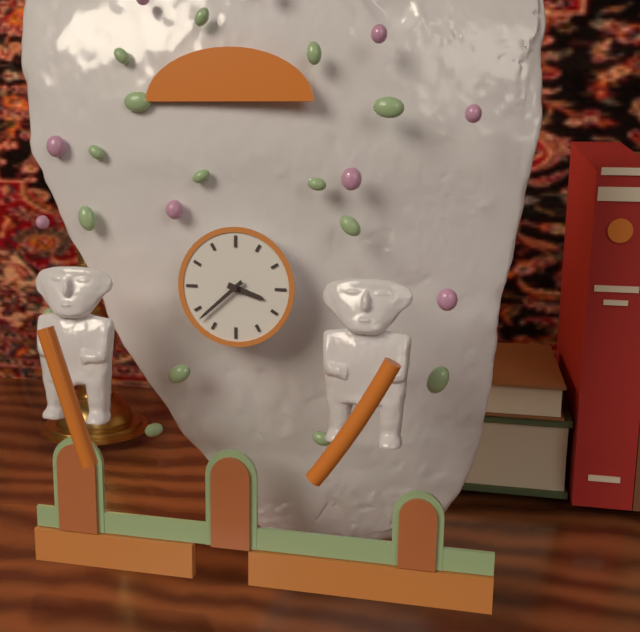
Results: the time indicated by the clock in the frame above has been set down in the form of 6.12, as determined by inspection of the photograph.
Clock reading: 3.38
